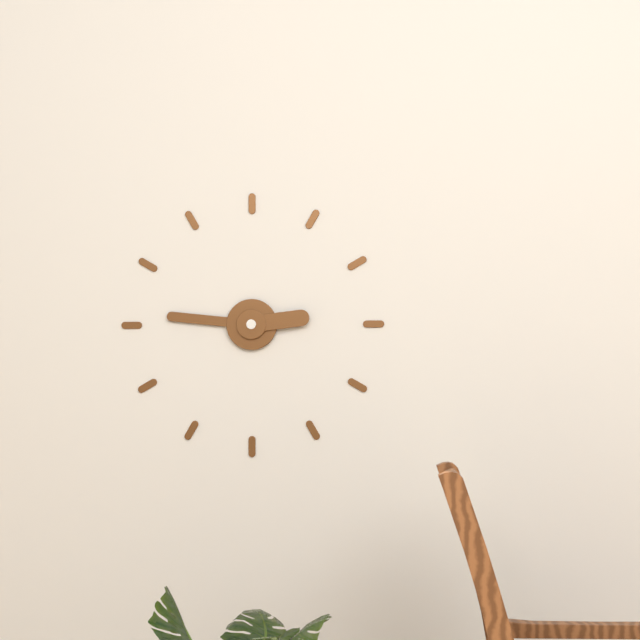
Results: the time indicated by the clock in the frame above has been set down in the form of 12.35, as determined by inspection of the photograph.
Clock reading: 2.46
